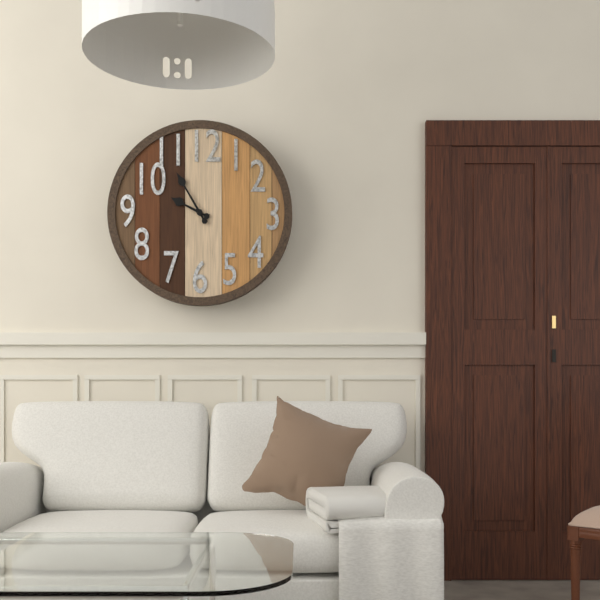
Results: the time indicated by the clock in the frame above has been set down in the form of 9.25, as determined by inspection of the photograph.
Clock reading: 9.55
